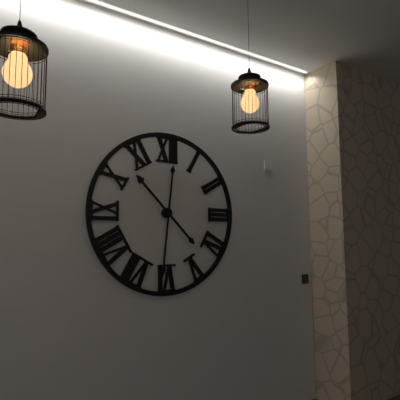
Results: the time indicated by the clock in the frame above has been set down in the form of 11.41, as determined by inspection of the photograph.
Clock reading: 10.31
